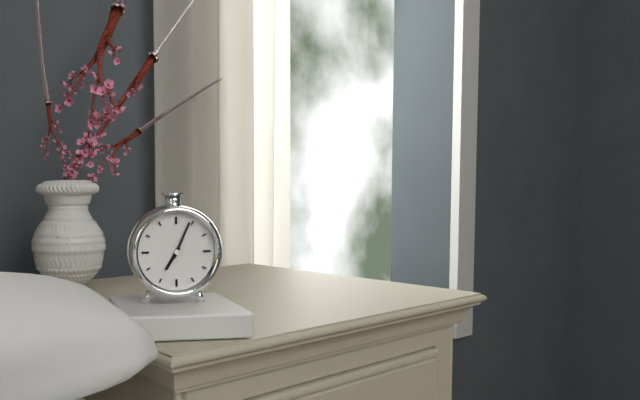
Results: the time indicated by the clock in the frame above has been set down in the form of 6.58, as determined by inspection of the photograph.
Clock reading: 7.04
